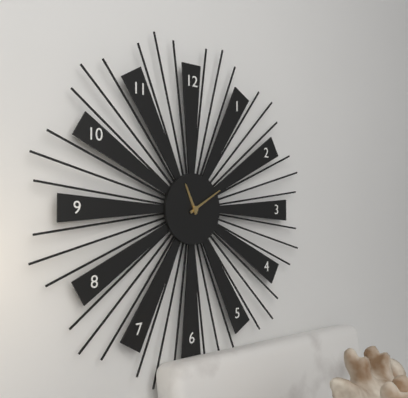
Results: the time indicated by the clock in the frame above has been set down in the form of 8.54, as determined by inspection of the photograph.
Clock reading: 11.10
